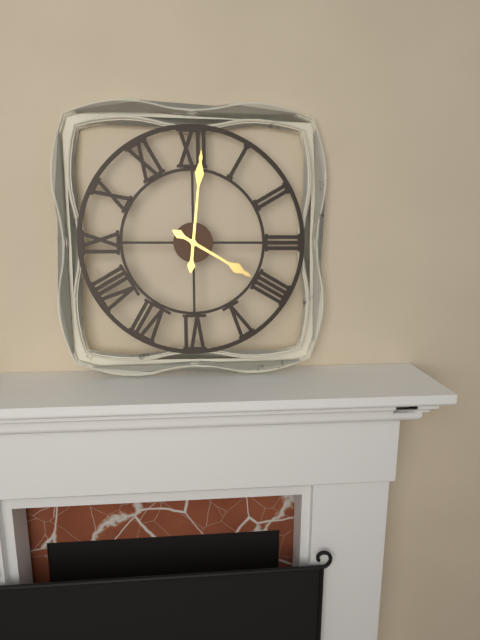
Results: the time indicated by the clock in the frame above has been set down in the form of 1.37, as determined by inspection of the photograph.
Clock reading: 4.01
